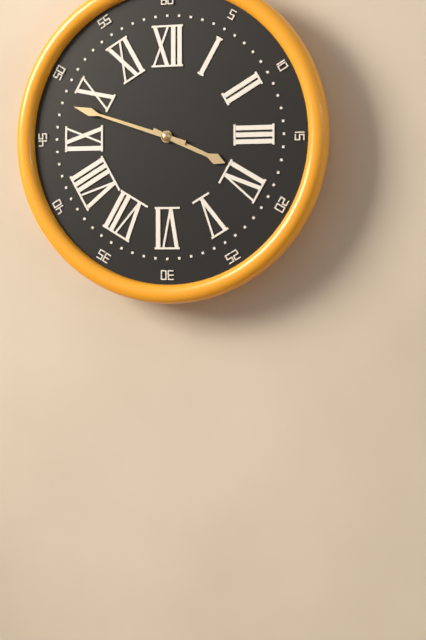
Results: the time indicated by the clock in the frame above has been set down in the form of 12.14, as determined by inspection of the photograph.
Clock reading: 3.48
